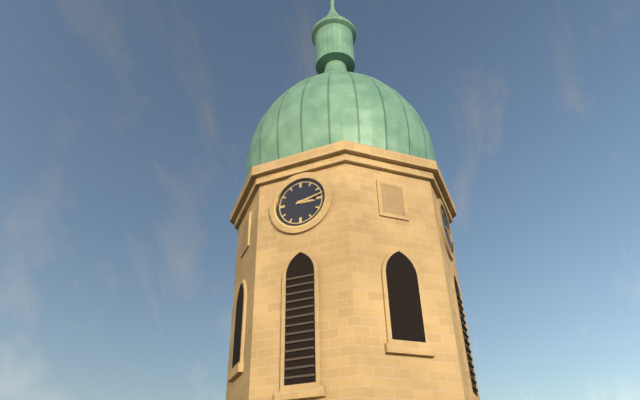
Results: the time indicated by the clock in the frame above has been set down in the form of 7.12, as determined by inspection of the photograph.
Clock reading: 3.13
